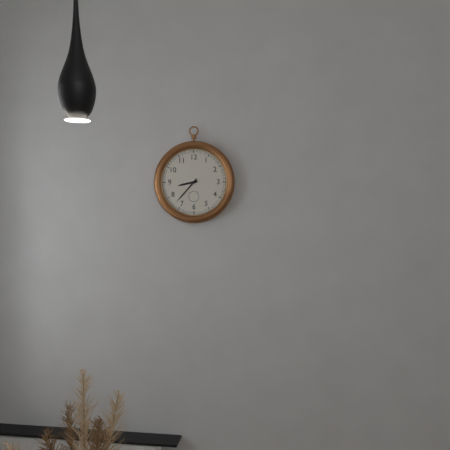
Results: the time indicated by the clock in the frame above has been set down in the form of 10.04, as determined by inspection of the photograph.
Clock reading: 8.37
